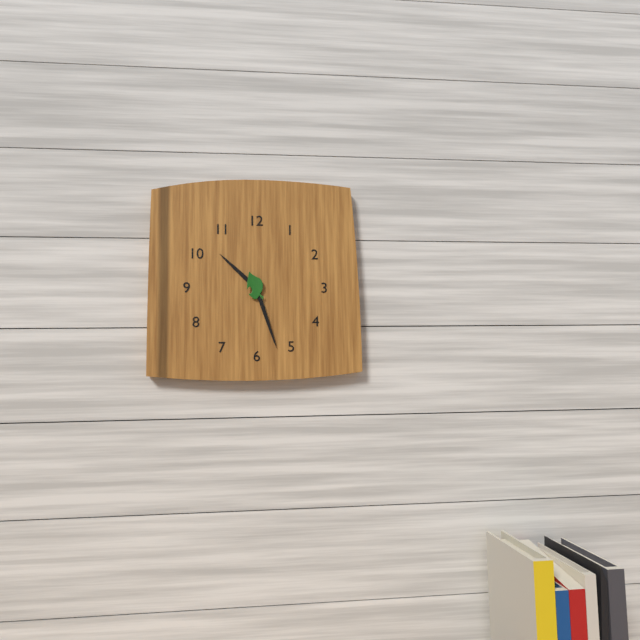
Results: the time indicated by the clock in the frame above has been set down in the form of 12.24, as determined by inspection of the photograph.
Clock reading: 10.27
